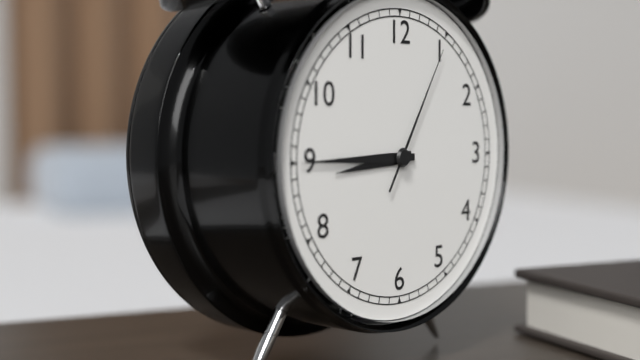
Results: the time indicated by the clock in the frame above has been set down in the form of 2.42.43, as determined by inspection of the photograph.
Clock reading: 8.45.05
